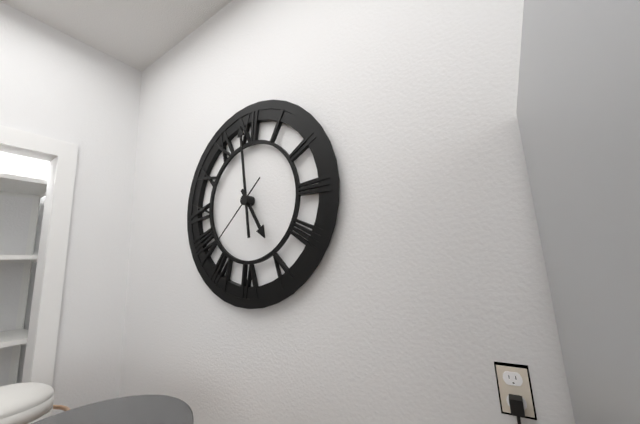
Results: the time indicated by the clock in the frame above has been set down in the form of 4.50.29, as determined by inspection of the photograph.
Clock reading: 4.59.38
